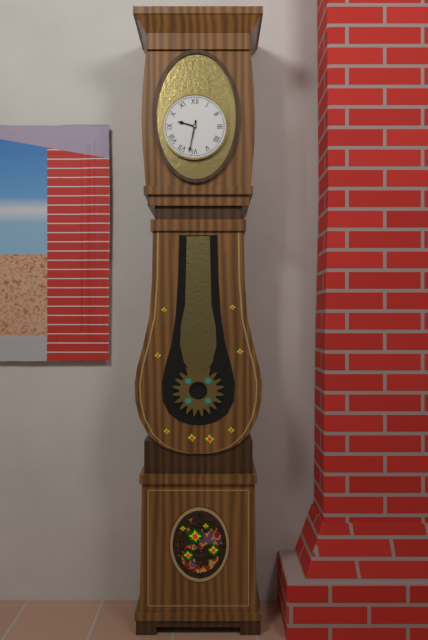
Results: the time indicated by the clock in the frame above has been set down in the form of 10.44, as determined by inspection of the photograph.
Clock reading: 9.32
